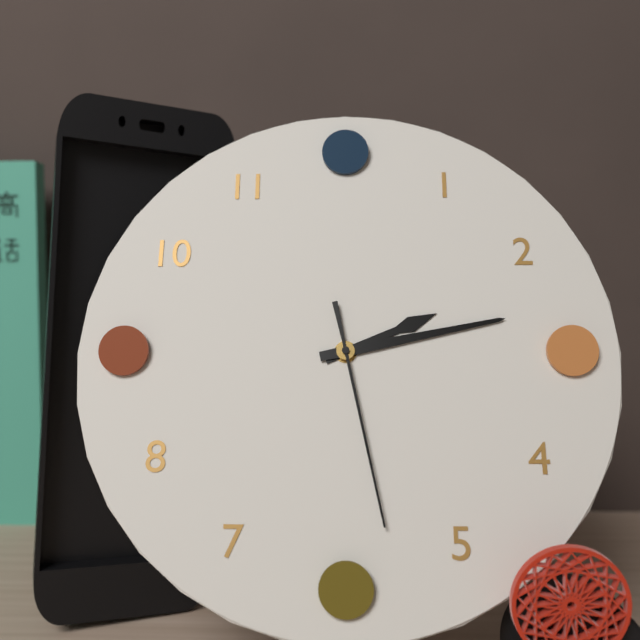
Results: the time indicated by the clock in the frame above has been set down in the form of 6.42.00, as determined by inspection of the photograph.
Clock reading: 2.13.28
